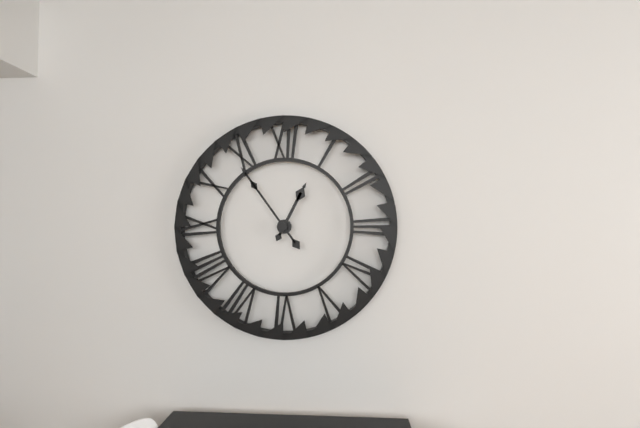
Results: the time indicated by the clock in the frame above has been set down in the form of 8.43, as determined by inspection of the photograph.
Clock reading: 12.54
